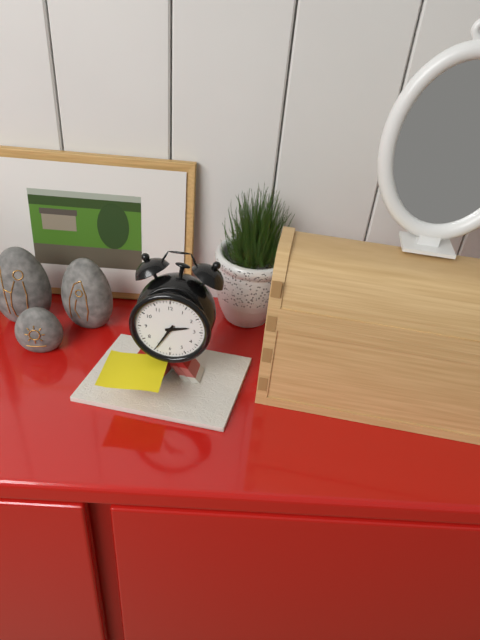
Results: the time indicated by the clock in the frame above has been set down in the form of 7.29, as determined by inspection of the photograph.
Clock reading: 2.35
